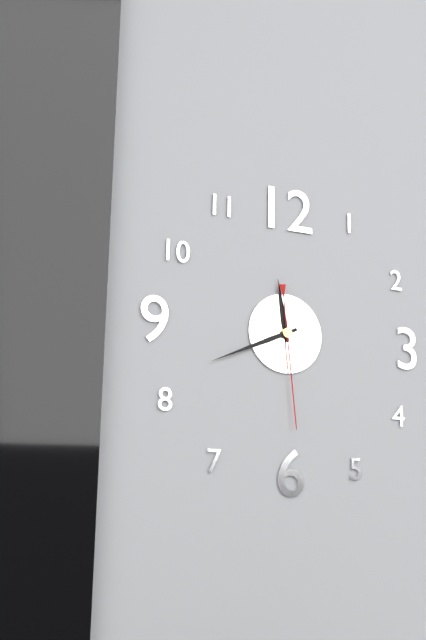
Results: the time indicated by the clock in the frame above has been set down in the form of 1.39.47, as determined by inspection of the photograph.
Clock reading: 11.41.29
